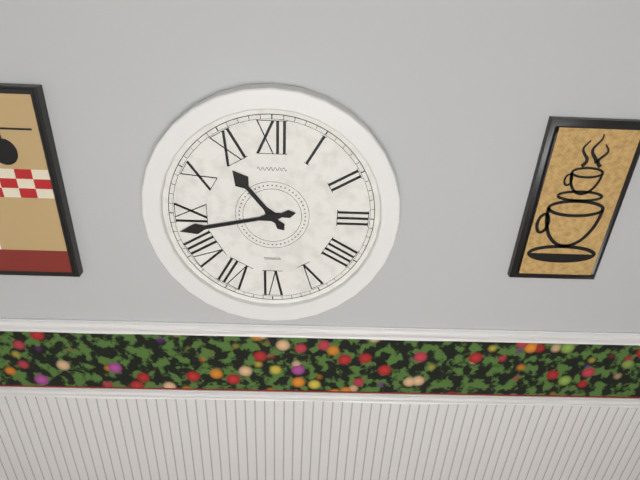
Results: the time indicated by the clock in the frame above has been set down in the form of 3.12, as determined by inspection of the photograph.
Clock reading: 10.43
